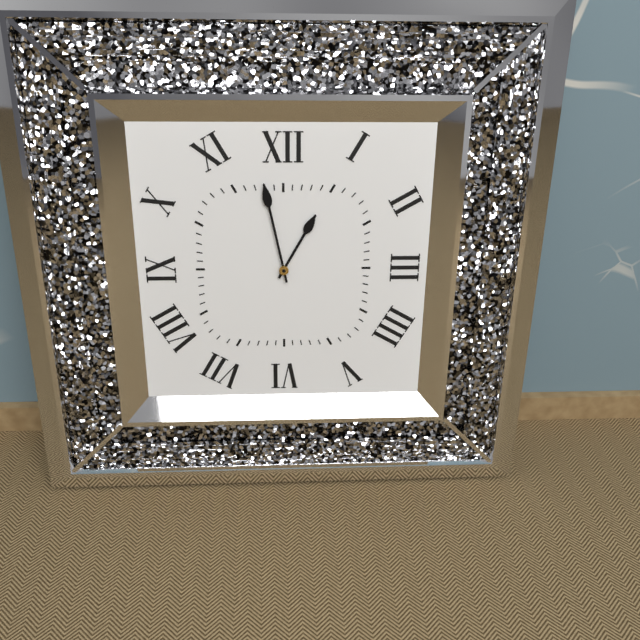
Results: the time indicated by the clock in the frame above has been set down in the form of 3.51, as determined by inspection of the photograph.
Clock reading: 12.58
